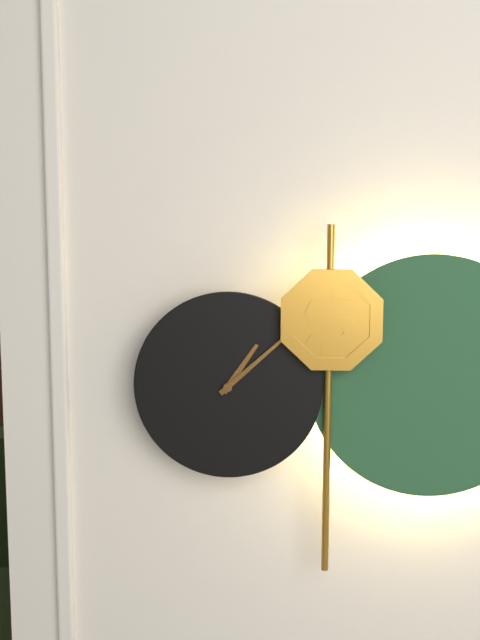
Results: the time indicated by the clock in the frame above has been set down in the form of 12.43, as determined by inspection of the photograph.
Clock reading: 1.08
